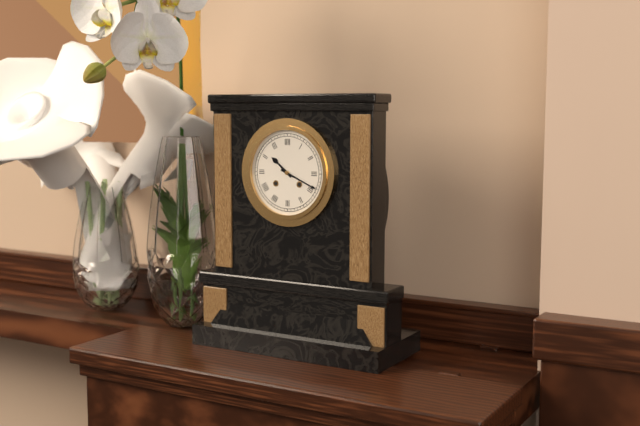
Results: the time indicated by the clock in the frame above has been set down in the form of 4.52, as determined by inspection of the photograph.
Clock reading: 10.19
